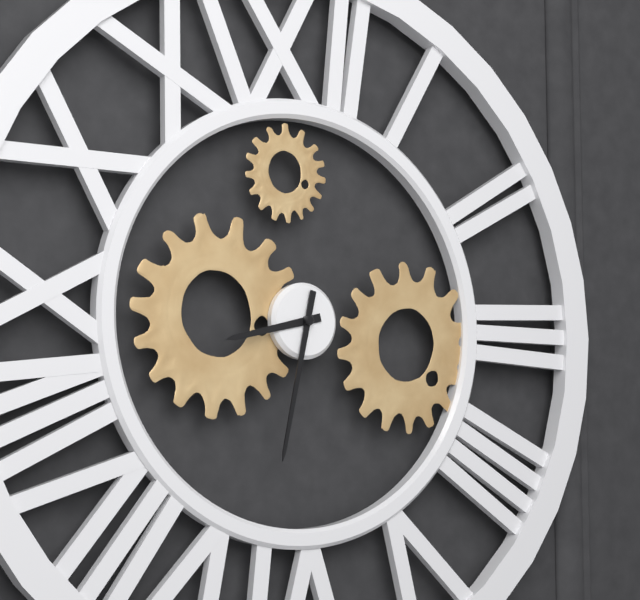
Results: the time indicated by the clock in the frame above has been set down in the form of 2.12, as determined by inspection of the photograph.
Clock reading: 8.32
